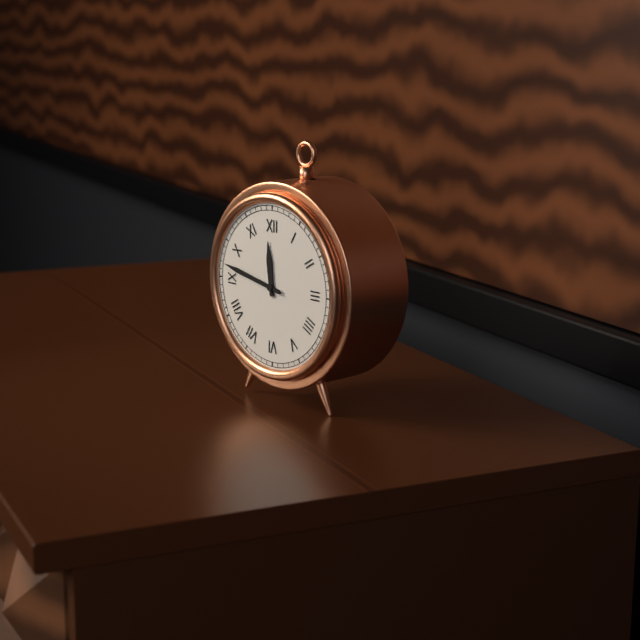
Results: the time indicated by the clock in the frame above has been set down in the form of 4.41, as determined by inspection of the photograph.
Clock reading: 11.47
